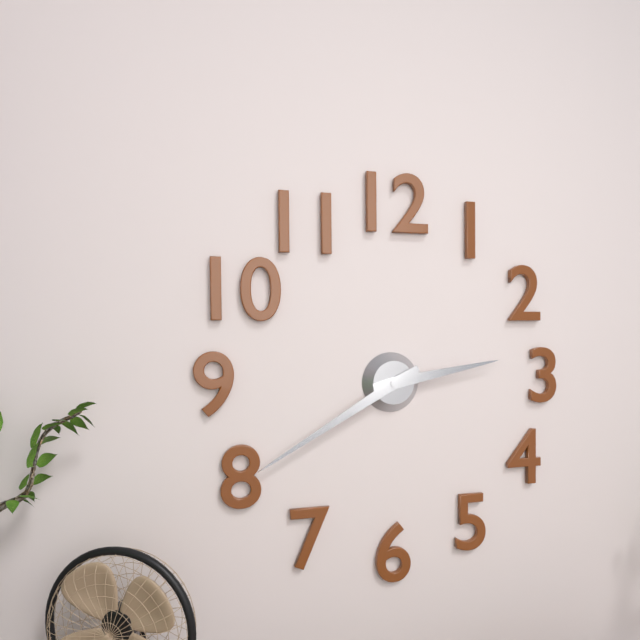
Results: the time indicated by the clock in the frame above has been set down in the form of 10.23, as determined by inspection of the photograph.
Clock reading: 2.40
